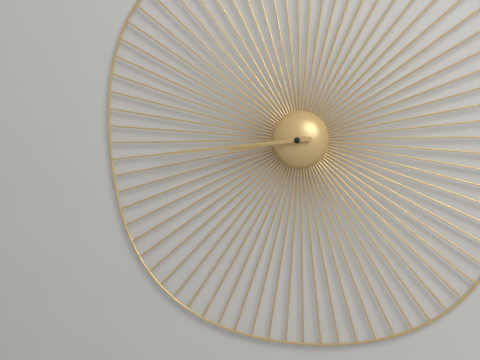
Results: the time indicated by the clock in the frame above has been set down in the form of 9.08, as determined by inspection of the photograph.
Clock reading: 8.44
